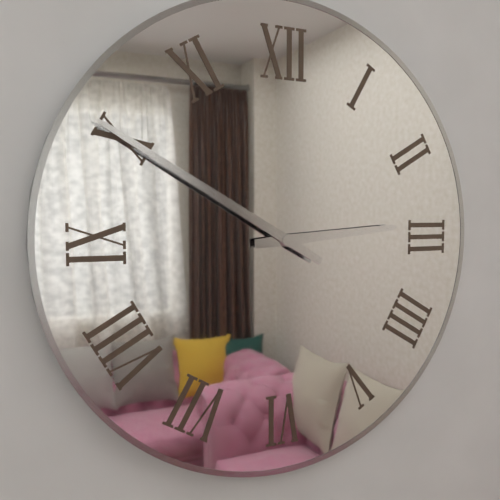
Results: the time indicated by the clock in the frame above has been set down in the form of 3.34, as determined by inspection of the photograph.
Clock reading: 2.50
